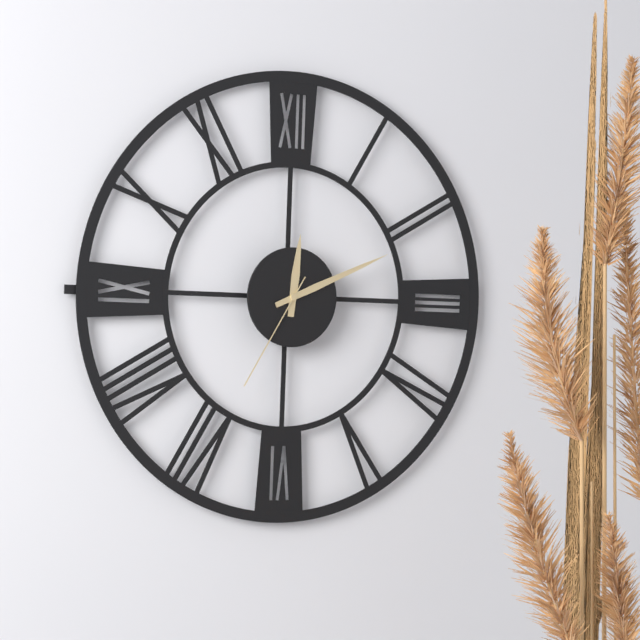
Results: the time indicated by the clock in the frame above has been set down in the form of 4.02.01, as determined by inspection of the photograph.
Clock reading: 12.11.35
